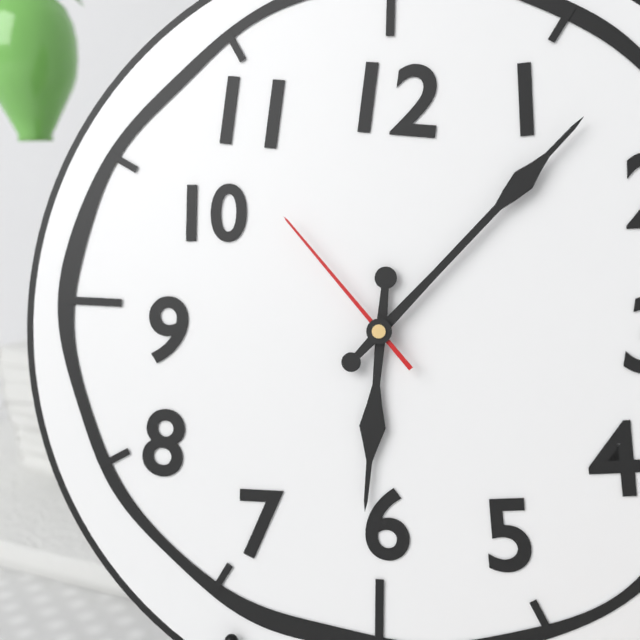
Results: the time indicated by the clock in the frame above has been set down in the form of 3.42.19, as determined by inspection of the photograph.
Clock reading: 6.07.53
